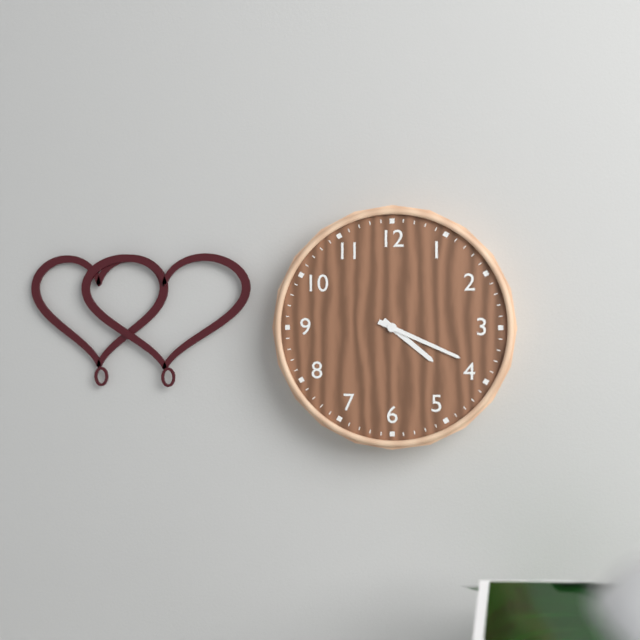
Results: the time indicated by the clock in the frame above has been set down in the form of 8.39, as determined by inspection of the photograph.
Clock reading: 4.19
